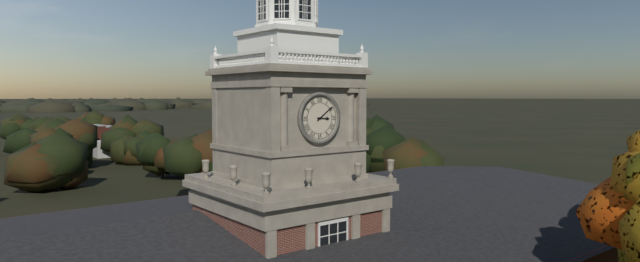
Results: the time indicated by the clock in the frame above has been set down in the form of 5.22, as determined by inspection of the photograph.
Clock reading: 3.09
